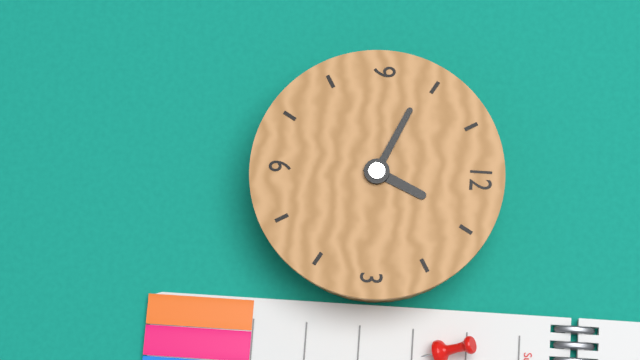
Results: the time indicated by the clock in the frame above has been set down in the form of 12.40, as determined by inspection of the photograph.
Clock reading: 12.49
